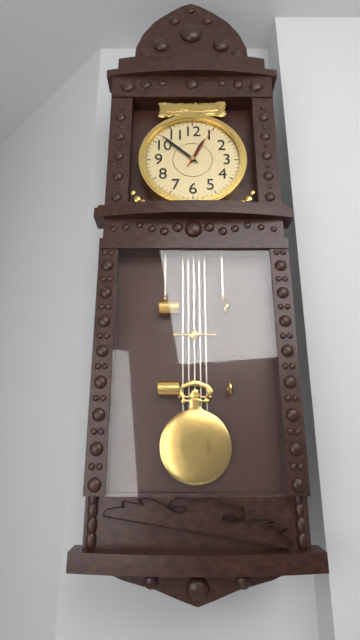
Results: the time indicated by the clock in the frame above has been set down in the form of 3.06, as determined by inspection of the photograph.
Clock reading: 12.52
